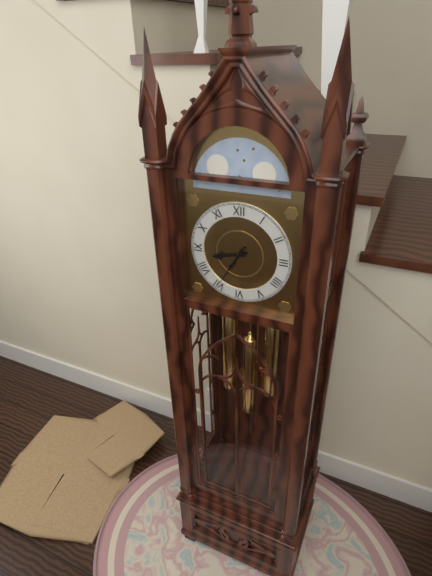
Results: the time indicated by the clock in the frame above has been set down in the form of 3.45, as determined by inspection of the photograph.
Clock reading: 8.35
